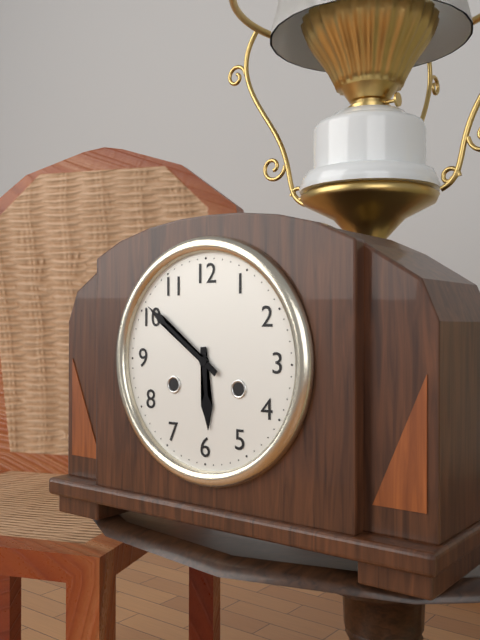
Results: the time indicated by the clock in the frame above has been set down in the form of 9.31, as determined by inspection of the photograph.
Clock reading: 5.51
